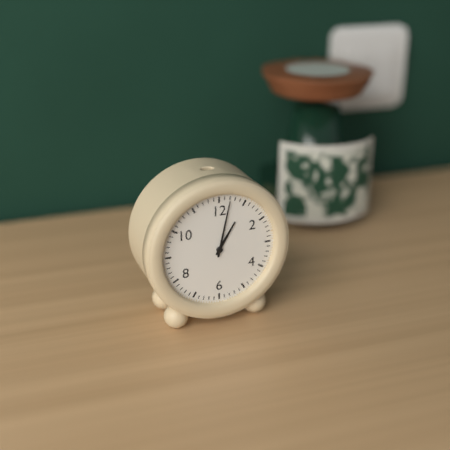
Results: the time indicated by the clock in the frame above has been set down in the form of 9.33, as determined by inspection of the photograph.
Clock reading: 1.02
